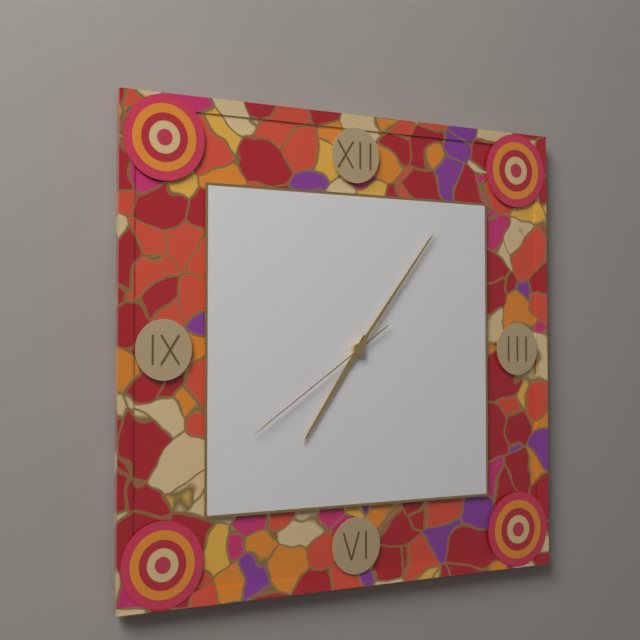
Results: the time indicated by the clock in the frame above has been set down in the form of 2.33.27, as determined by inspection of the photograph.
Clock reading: 7.06.39
